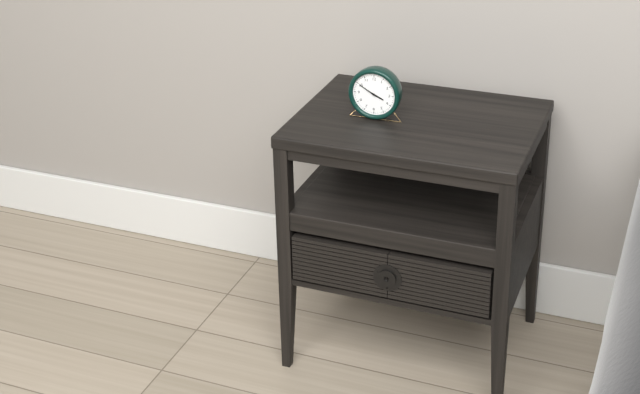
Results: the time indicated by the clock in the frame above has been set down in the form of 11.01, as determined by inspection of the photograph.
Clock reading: 3.50
